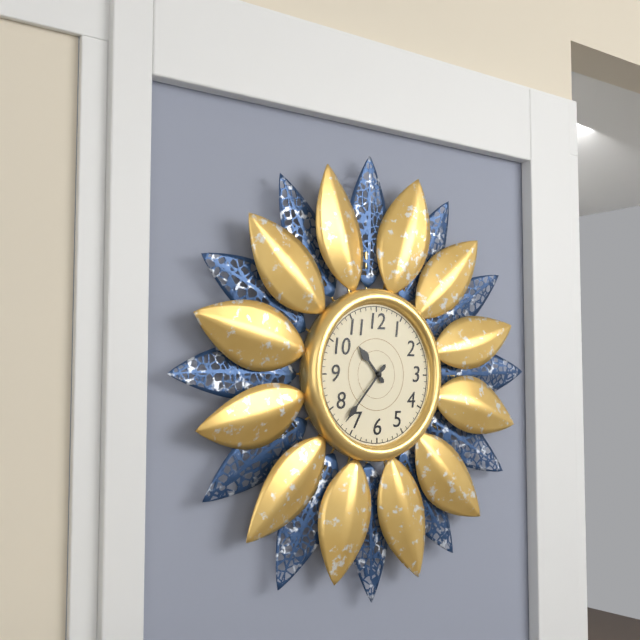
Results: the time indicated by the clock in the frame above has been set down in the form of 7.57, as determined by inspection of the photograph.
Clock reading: 10.37
